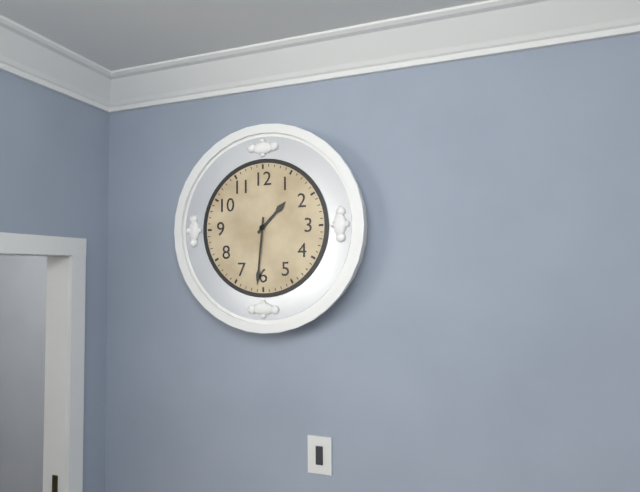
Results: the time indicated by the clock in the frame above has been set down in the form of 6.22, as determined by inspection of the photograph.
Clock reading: 1.31
